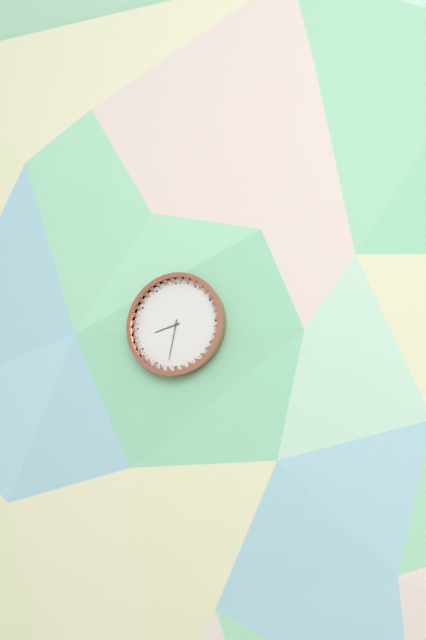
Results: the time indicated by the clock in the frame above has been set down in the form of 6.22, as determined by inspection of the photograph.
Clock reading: 8.32
